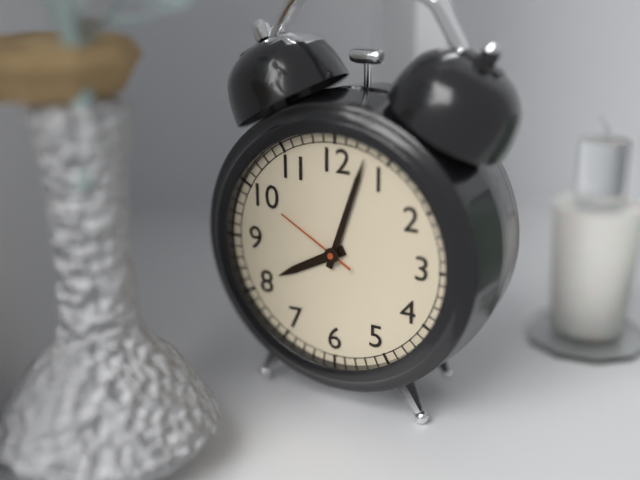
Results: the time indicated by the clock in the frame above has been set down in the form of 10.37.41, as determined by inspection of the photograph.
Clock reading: 8.03.50
